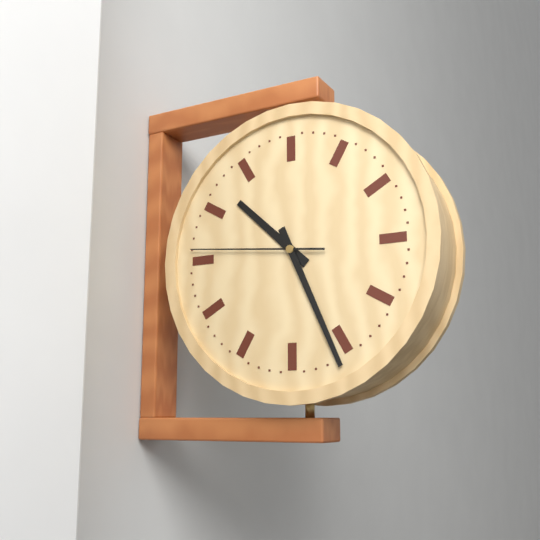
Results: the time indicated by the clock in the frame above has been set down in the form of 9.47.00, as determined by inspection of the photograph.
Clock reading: 10.26.46
